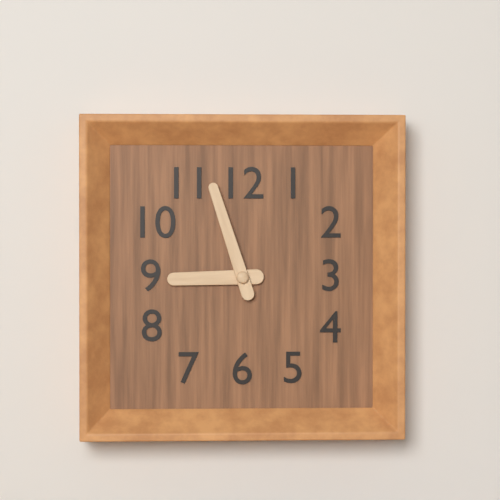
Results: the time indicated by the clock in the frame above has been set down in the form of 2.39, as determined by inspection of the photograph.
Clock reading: 8.57
